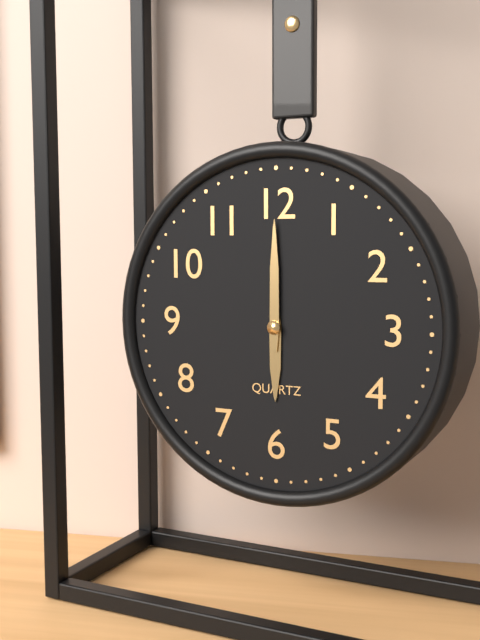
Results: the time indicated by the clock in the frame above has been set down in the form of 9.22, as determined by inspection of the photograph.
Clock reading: 6.00
